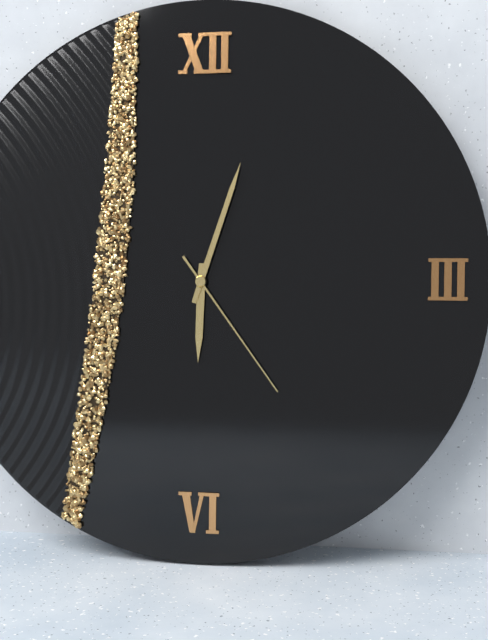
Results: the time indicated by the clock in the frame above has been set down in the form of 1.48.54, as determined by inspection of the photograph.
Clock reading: 6.03.24
